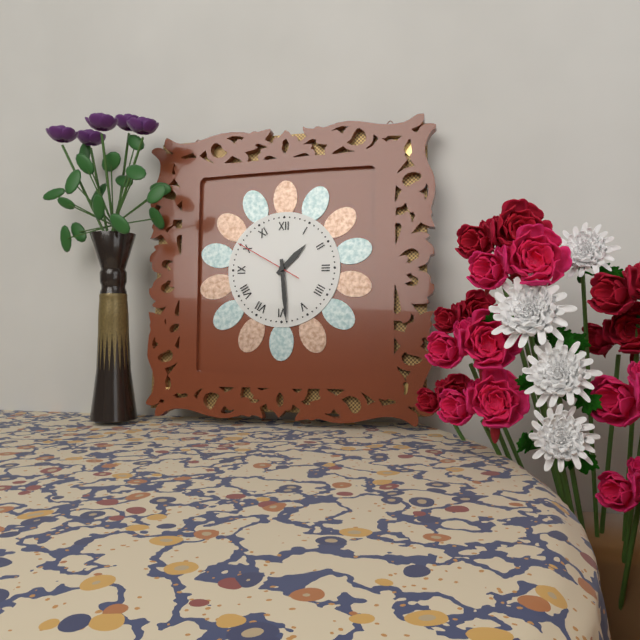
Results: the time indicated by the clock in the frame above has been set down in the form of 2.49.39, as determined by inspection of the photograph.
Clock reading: 1.29.50
